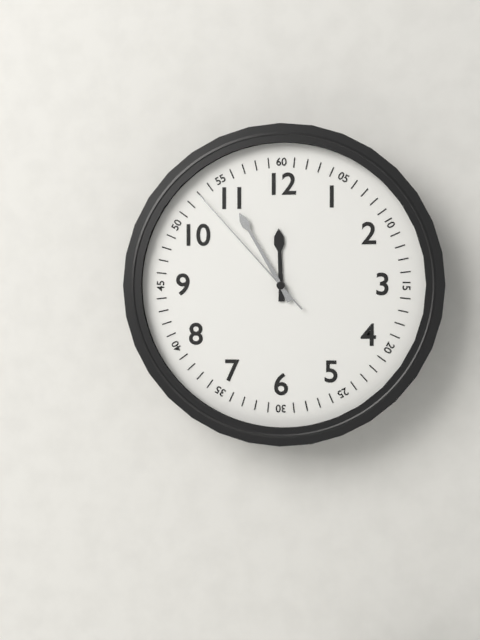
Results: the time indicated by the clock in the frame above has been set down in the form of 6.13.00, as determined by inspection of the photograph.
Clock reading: 11.55.53
